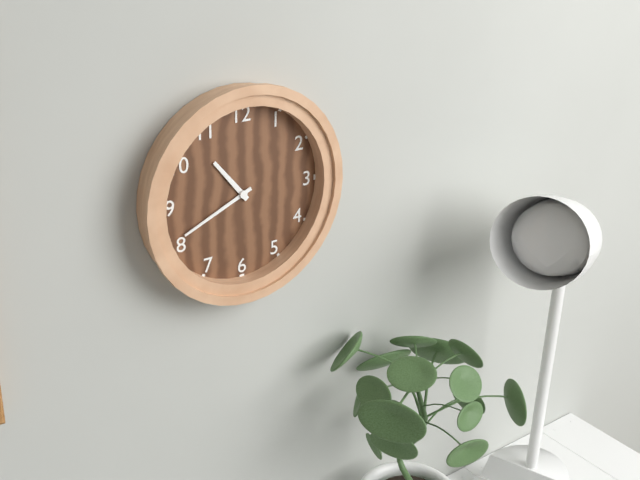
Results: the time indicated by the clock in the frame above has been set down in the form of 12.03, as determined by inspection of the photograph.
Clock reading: 10.41
